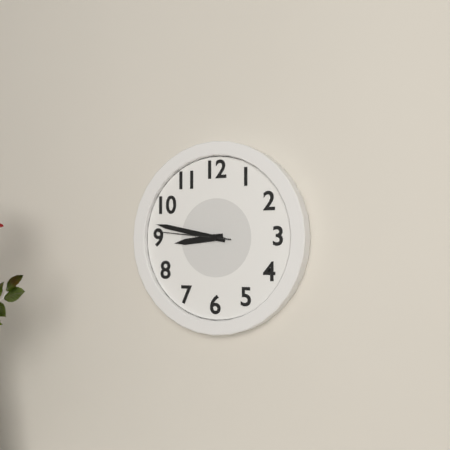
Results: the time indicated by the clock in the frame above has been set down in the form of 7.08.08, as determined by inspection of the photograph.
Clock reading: 8.47.46
